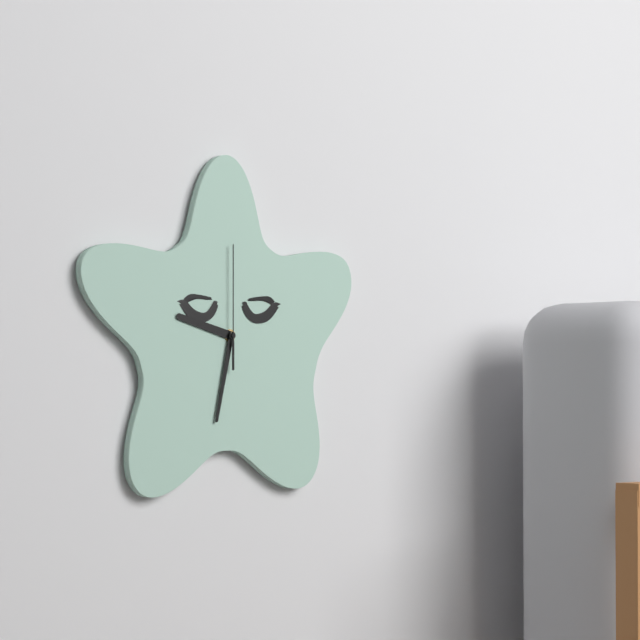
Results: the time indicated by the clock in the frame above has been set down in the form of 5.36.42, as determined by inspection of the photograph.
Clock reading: 9.32.00
